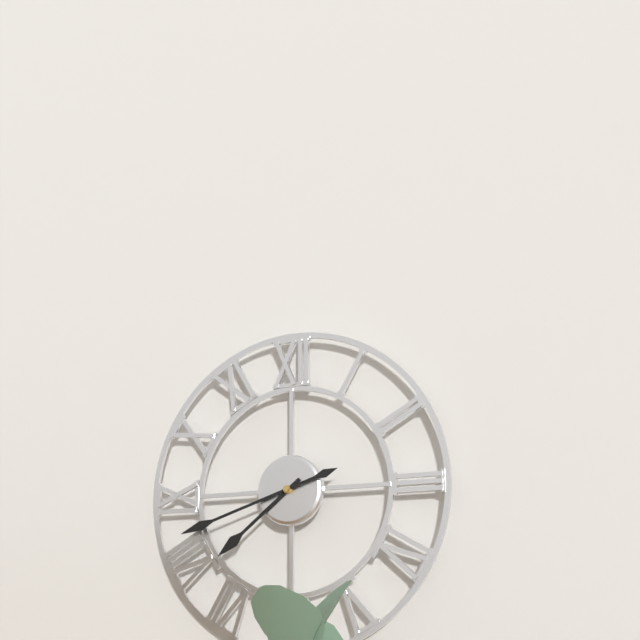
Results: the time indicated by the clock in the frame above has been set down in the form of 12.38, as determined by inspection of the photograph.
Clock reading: 7.42
